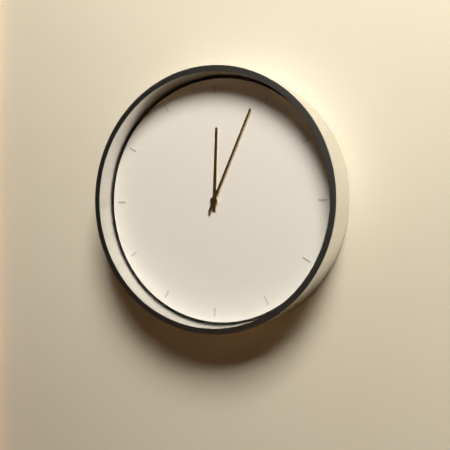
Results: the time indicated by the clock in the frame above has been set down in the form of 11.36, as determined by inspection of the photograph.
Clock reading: 12.04
